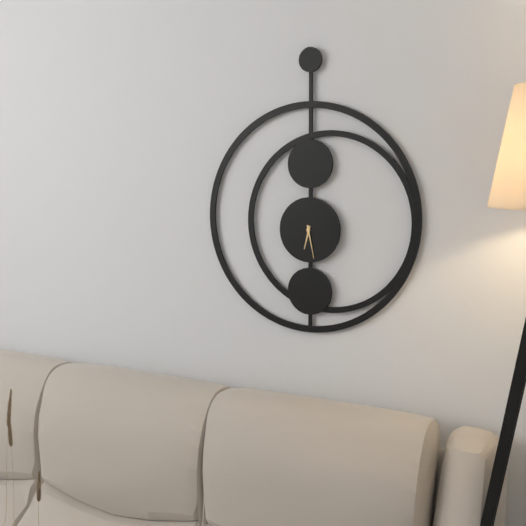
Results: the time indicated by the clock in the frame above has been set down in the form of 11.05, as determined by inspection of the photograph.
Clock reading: 6.28
